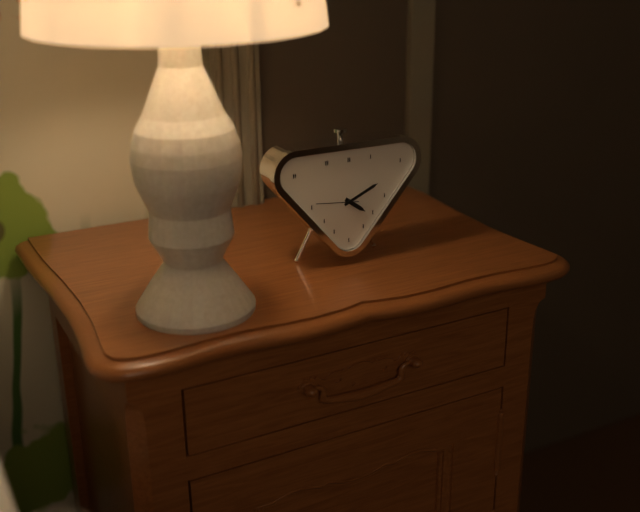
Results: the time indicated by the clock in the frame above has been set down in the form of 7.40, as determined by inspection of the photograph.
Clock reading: 4.11
